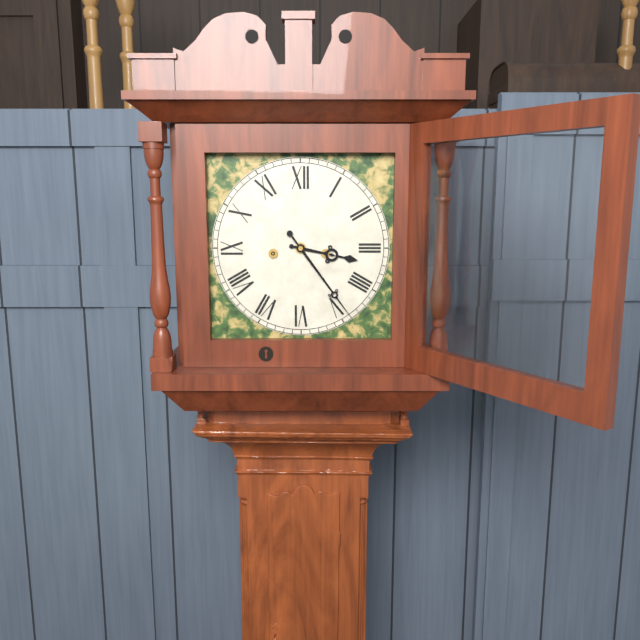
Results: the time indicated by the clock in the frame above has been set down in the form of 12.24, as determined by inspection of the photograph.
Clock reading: 3.24
